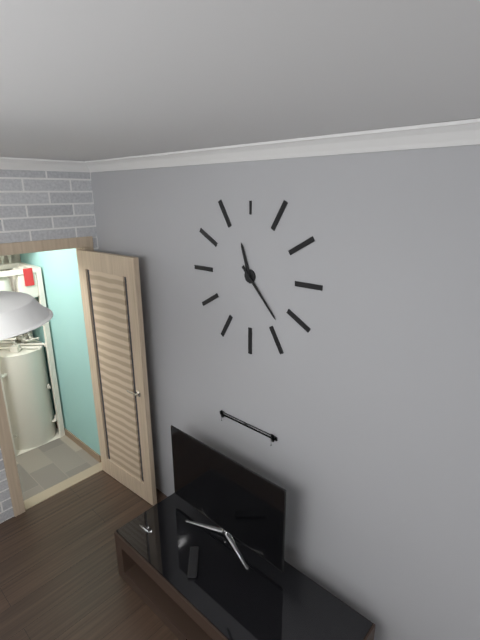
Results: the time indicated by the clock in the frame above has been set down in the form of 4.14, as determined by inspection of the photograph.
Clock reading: 11.23
